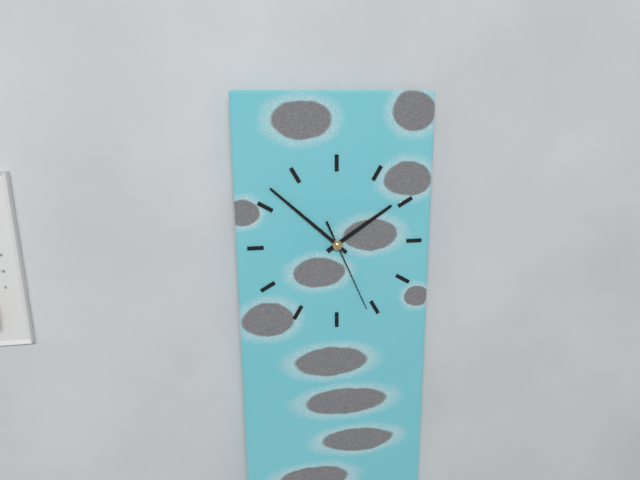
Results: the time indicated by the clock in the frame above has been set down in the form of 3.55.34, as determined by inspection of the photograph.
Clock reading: 1.52.26
